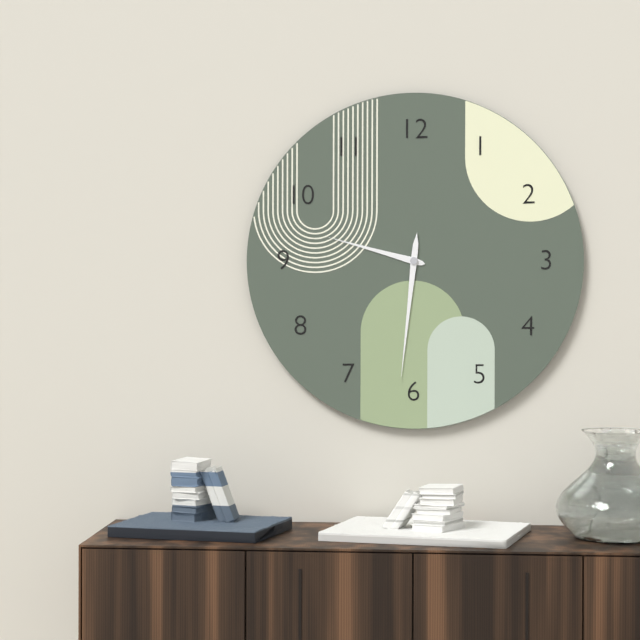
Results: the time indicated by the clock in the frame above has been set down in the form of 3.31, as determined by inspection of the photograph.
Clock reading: 9.31
